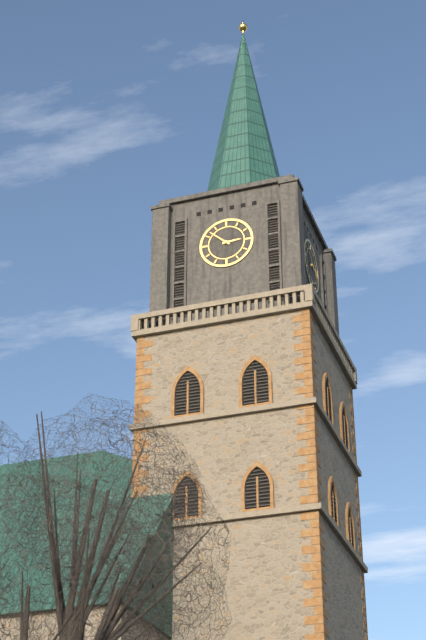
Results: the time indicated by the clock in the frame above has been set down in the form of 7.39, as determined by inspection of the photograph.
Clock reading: 2.52
